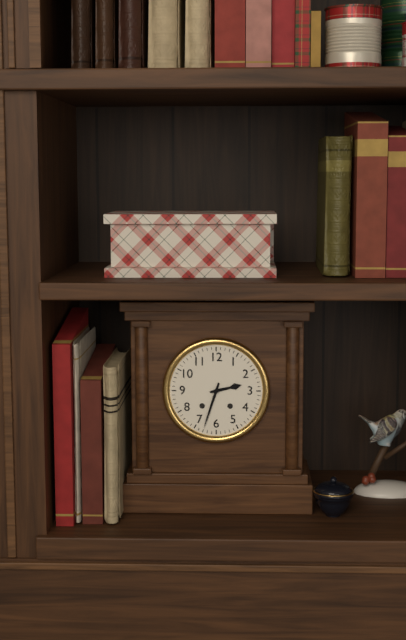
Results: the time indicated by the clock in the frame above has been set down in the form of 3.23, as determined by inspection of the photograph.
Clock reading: 2.33
